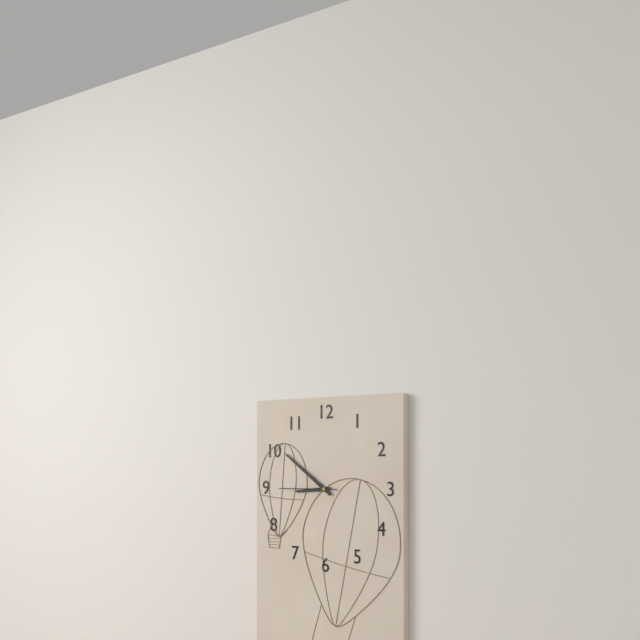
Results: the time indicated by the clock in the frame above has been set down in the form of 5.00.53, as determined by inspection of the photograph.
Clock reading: 8.51.45
